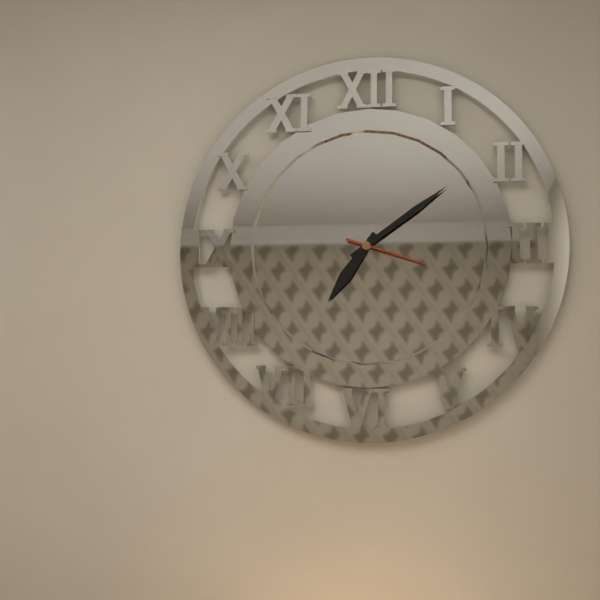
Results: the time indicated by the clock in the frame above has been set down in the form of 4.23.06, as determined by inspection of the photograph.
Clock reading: 7.09.18
